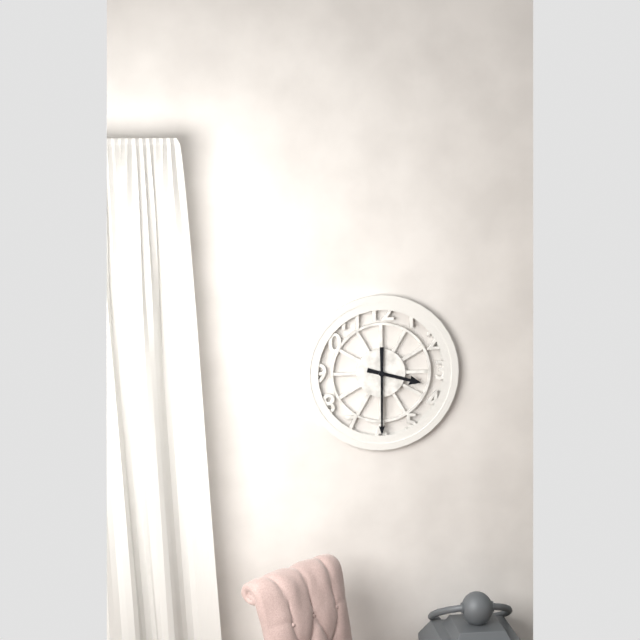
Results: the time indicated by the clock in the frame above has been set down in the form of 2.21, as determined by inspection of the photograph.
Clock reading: 3.30
